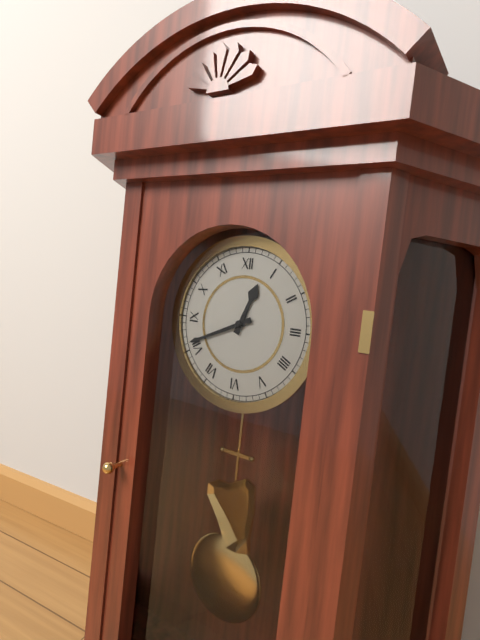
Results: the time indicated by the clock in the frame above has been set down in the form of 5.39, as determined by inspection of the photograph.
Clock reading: 12.41
